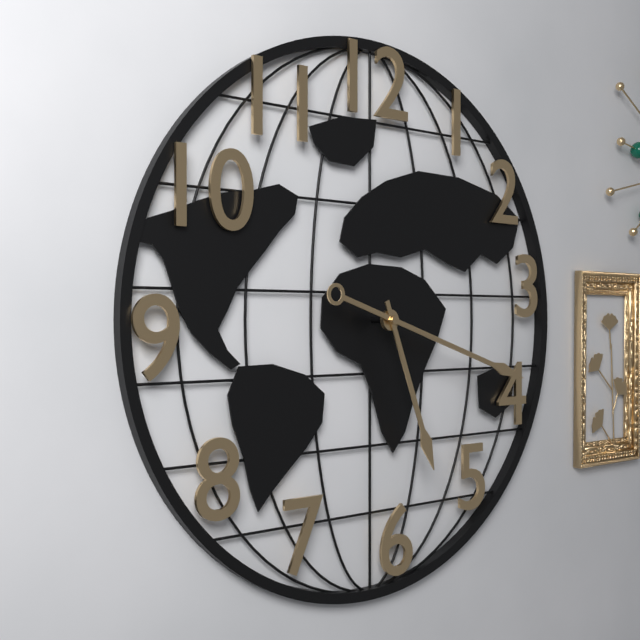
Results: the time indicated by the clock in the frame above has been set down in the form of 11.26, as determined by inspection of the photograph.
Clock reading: 5.18
